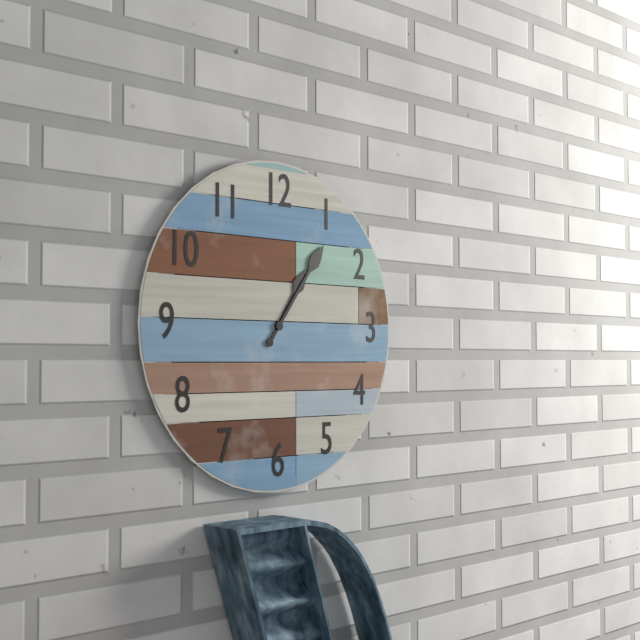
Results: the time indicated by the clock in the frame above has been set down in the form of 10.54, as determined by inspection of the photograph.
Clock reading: 1.06
